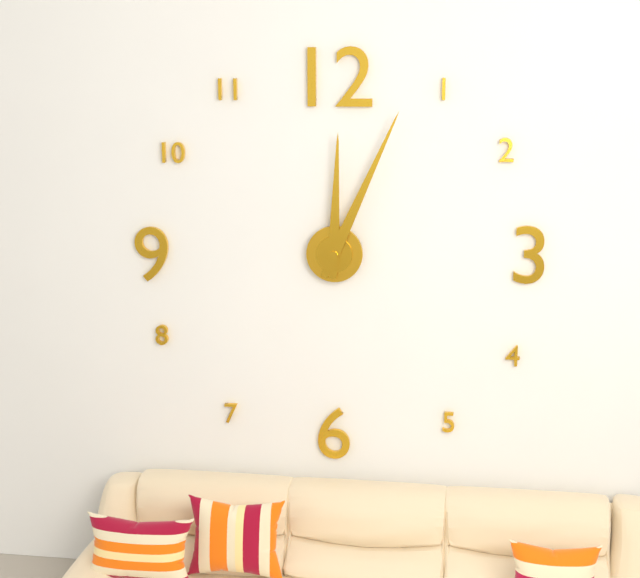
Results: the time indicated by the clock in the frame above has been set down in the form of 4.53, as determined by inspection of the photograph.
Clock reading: 12.04
